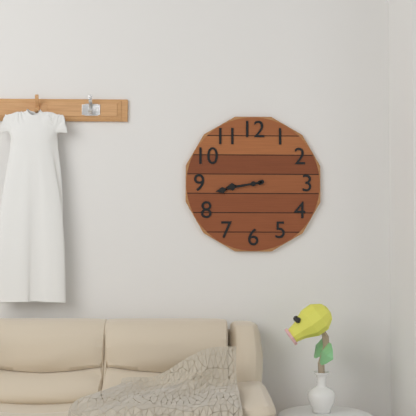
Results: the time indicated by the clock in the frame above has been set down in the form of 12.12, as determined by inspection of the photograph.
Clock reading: 8.43
